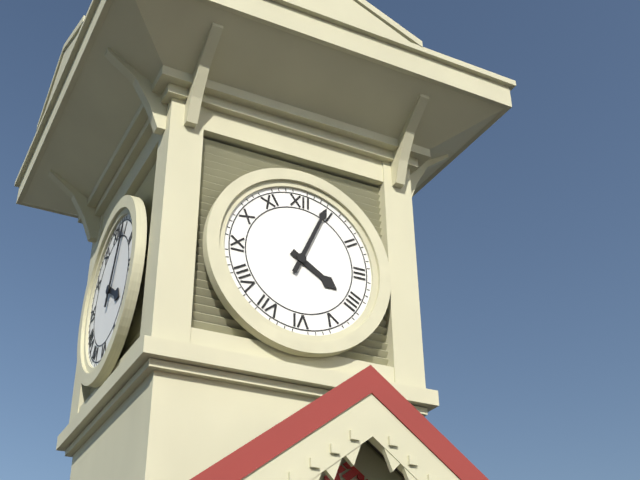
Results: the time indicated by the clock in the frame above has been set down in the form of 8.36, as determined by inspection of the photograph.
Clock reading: 4.04
